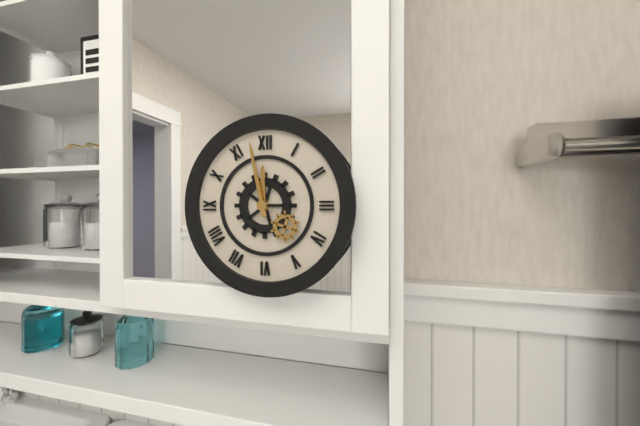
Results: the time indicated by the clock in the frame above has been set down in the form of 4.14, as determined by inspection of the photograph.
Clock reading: 11.58
